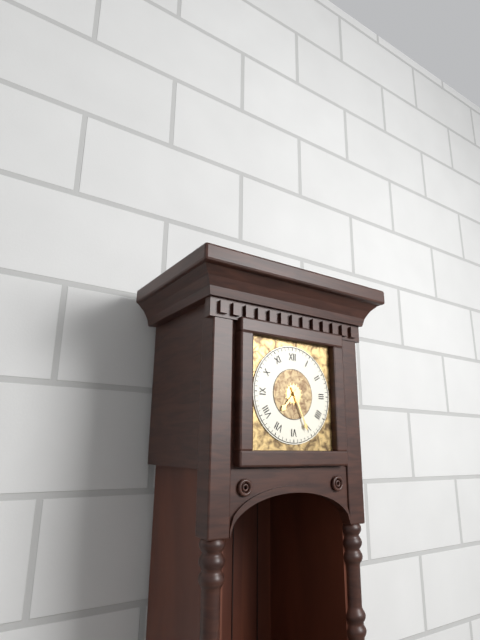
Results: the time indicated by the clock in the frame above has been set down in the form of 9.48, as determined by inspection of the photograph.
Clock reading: 7.26
